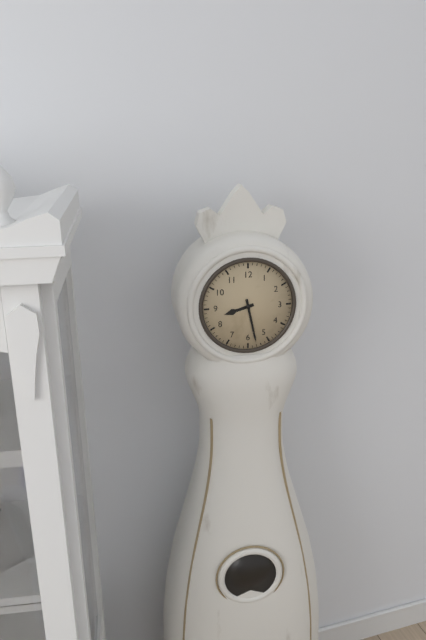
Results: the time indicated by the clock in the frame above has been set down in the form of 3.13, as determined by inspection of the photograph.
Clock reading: 8.28
